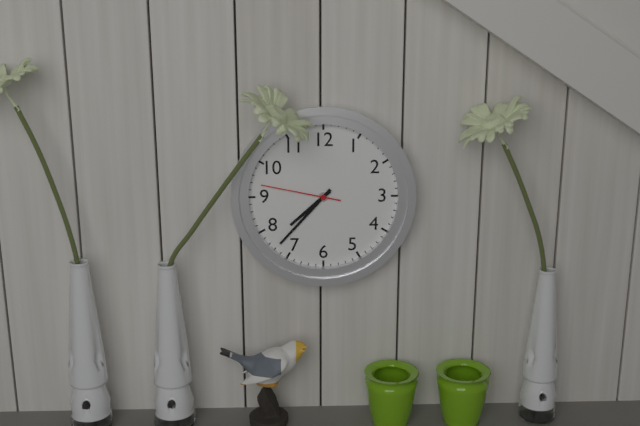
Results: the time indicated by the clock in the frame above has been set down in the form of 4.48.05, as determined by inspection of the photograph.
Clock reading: 7.37.47
